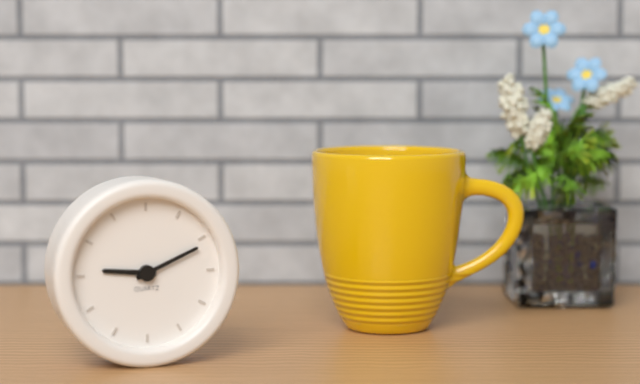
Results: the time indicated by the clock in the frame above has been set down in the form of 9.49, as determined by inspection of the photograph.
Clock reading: 9.11
